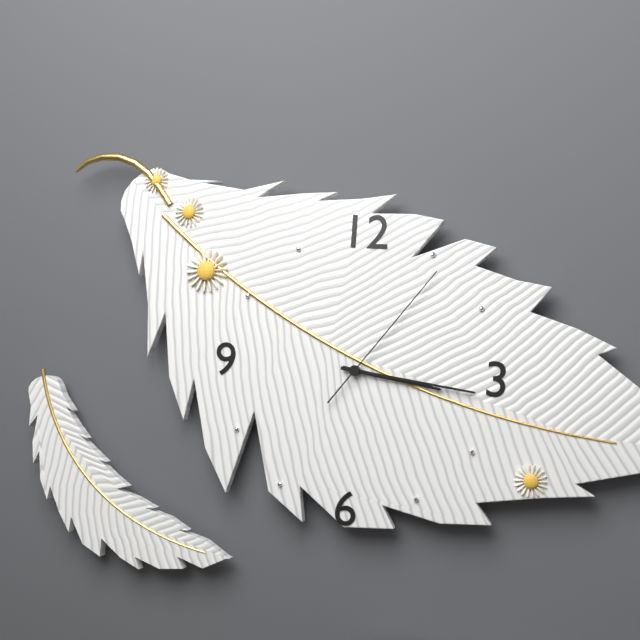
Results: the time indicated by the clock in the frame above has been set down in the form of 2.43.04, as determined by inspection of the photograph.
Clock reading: 3.16.06
